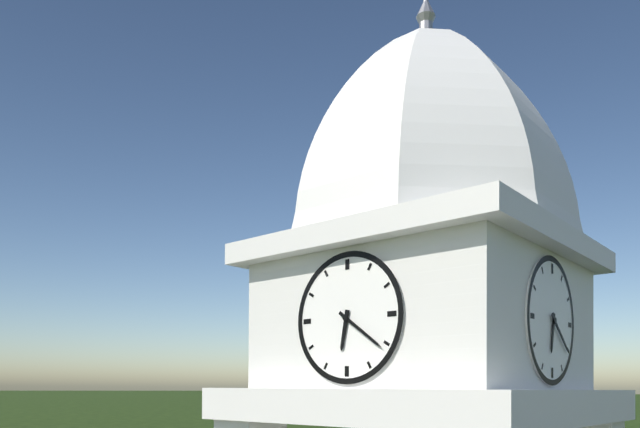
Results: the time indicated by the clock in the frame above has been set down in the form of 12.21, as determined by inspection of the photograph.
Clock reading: 6.21
